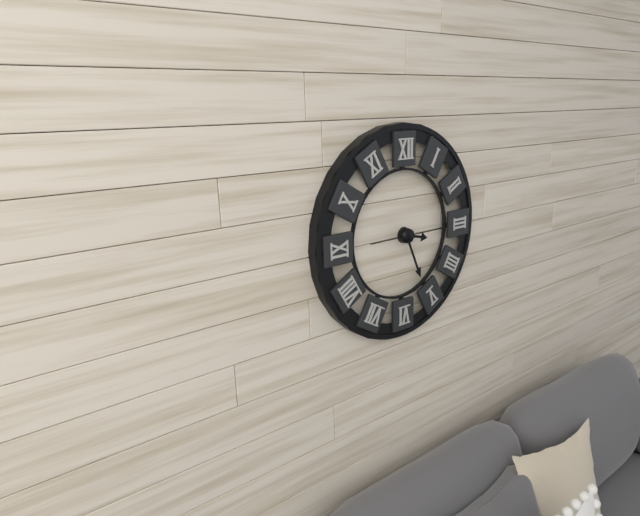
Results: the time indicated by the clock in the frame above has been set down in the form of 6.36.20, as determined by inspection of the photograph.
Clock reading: 3.26.15
